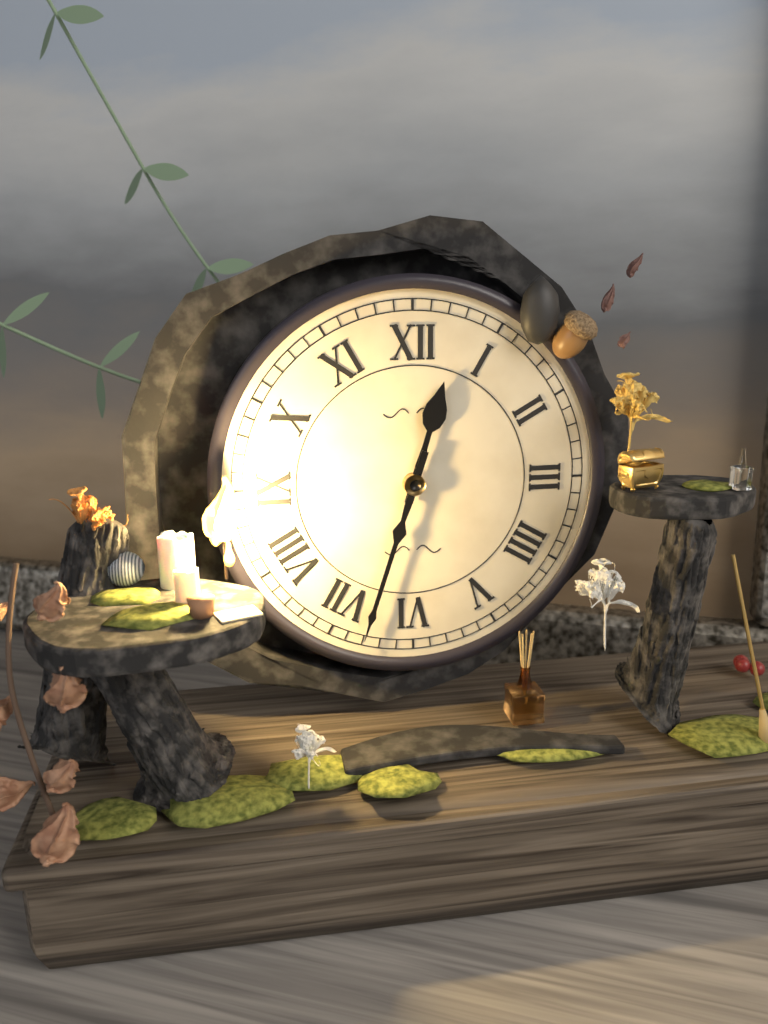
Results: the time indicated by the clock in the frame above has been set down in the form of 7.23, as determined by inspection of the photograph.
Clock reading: 12.33
